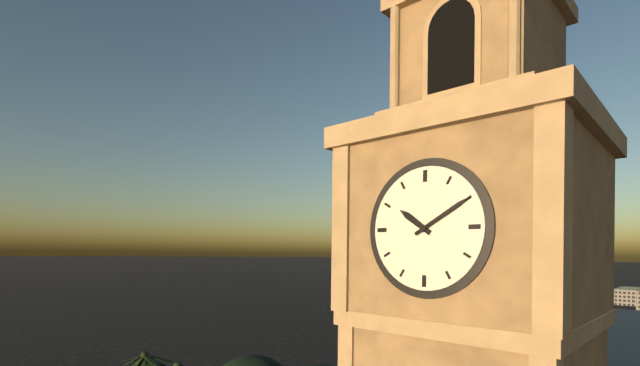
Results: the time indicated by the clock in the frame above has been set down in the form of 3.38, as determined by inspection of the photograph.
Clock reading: 10.10
